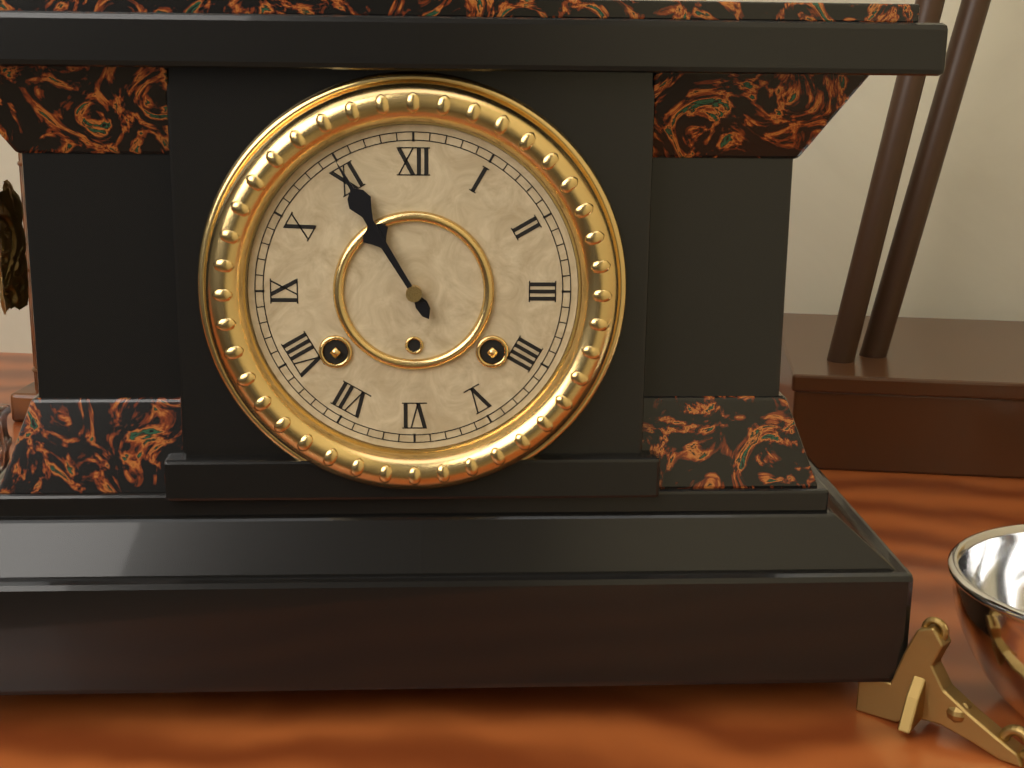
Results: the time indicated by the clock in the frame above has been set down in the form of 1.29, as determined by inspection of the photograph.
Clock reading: 10.55
